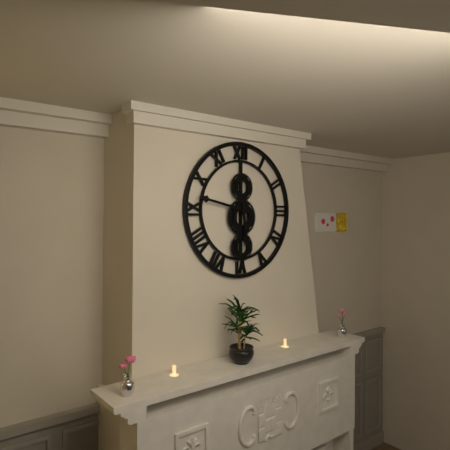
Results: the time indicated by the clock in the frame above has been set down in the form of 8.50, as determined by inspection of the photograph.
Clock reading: 5.47
